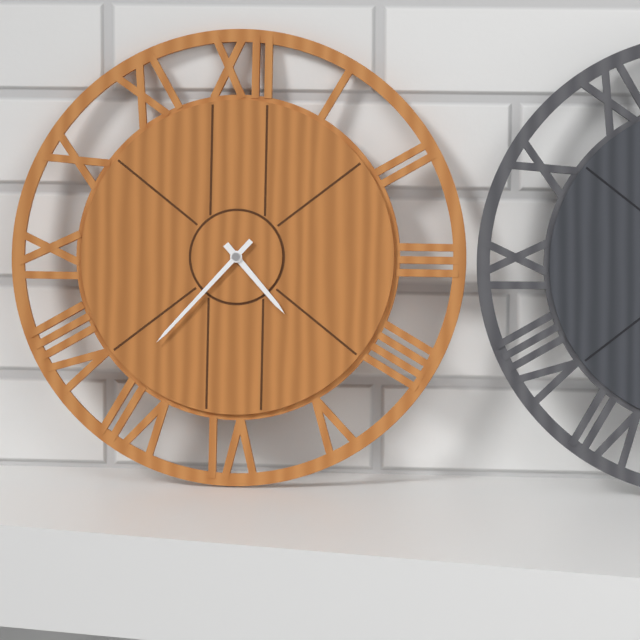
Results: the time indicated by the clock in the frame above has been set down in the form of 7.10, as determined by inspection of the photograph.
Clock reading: 4.37
